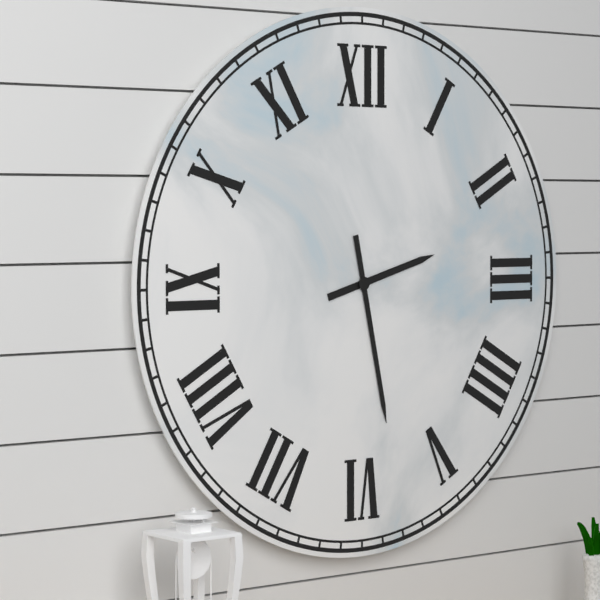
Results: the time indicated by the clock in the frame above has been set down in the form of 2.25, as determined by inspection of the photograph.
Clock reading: 2.28
